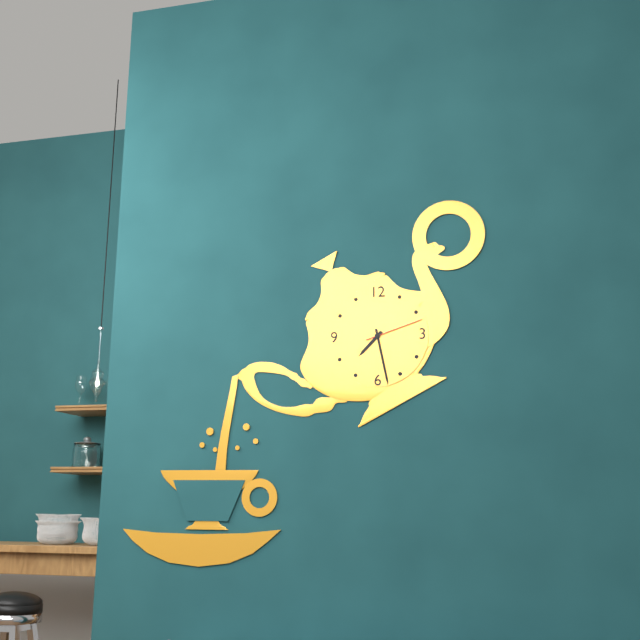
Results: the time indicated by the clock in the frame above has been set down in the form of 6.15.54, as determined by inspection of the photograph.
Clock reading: 7.28.12
